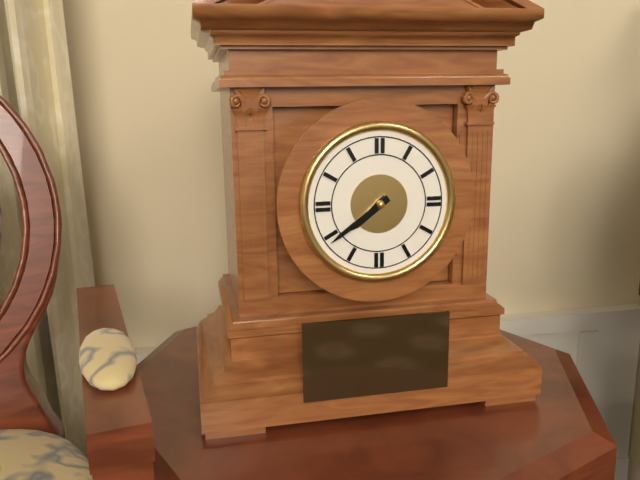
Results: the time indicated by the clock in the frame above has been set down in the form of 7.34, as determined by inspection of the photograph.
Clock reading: 7.39
